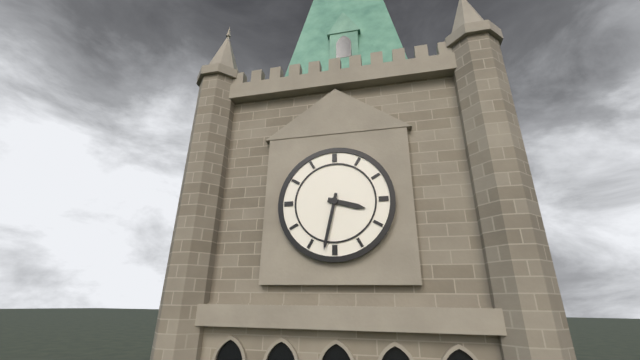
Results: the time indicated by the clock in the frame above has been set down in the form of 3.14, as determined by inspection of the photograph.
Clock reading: 3.32
